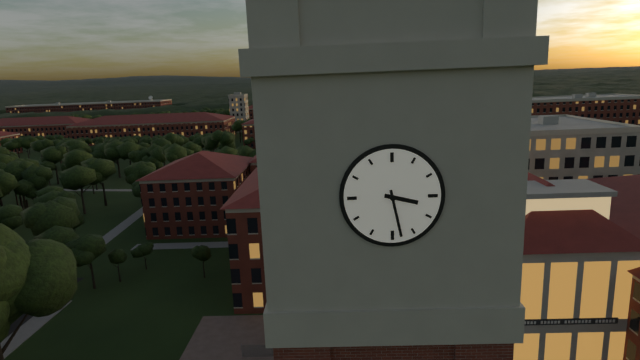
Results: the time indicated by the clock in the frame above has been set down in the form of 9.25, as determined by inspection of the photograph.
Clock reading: 3.28
